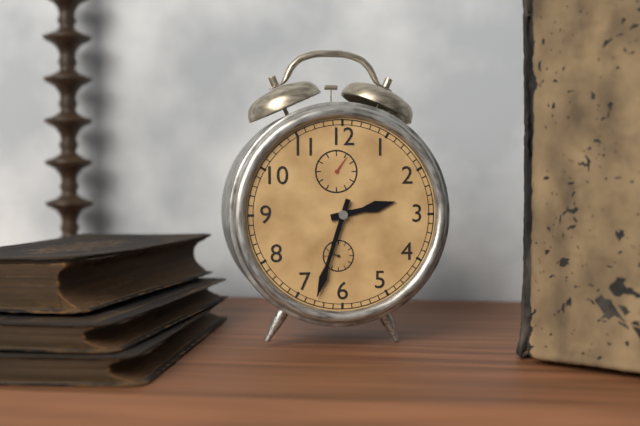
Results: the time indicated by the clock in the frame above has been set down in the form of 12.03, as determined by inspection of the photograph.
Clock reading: 2.33
